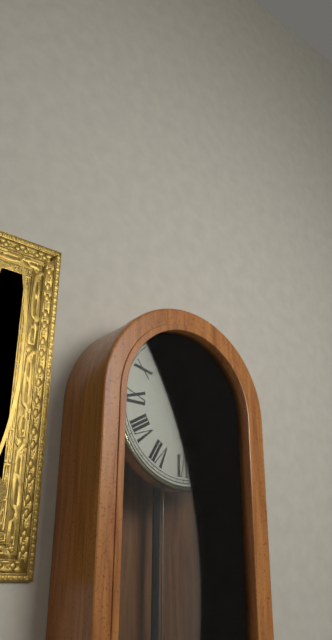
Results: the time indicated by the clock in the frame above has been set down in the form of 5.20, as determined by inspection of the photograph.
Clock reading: 4.57
